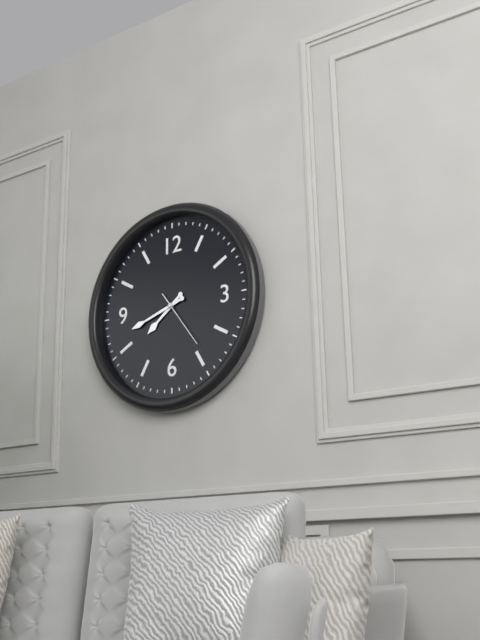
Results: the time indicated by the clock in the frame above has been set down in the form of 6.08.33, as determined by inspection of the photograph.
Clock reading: 7.42.24
